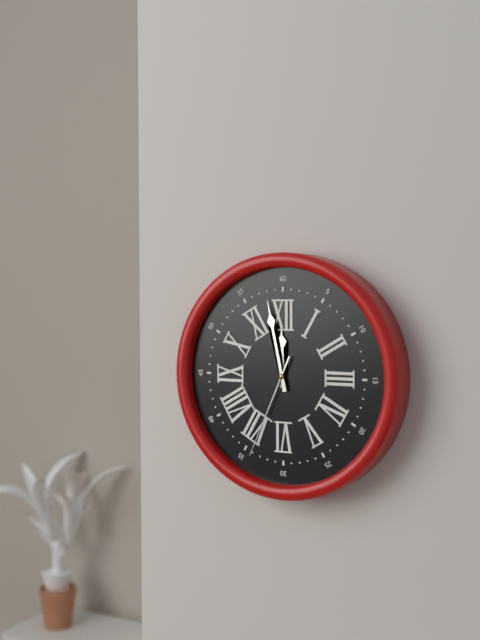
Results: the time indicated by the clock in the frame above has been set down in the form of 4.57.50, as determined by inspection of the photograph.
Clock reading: 11.58.34
